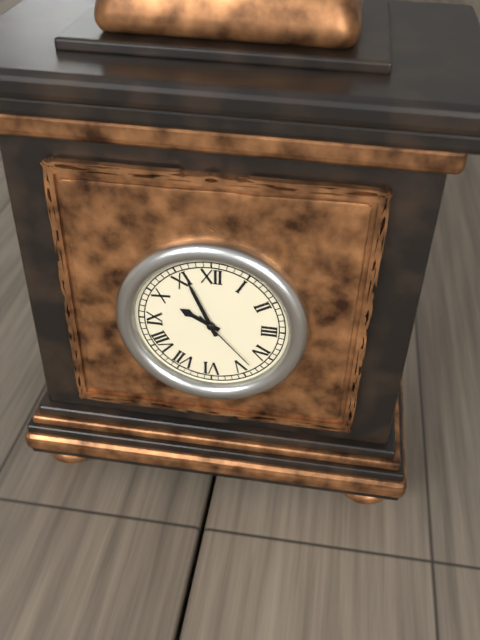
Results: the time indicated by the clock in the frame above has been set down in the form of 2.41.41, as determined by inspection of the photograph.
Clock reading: 9.56.23
